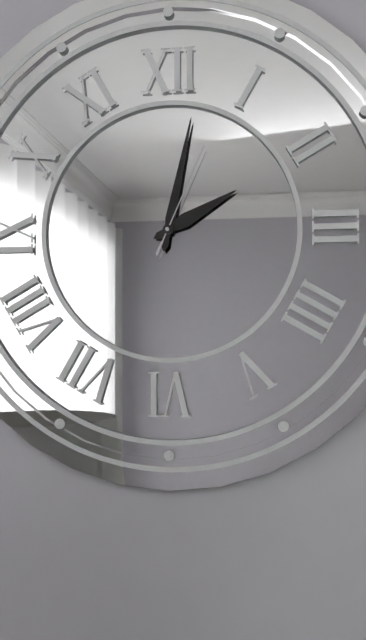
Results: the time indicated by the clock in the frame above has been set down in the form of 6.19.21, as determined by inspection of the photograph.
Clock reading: 2.02.04
